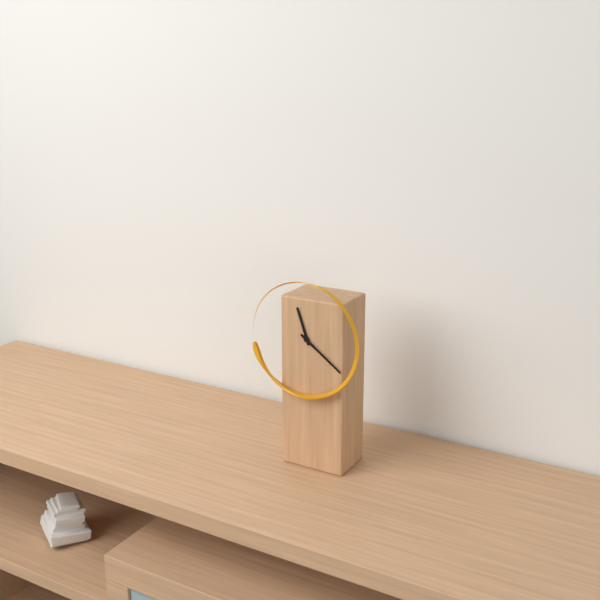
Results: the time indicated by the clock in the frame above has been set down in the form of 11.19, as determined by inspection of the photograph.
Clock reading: 11.21
